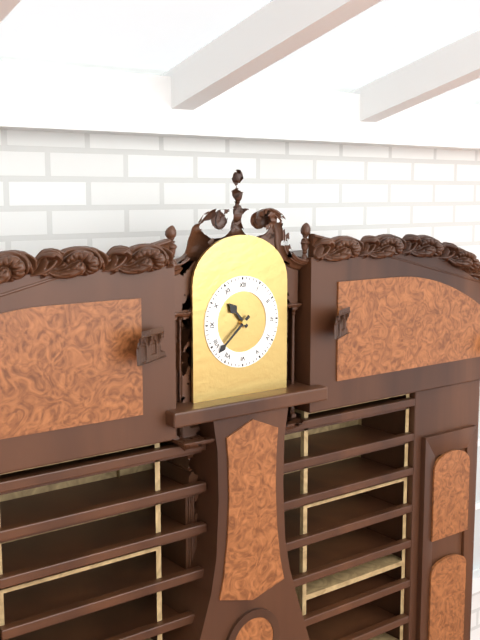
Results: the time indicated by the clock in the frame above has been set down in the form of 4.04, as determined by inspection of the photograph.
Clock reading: 10.38
